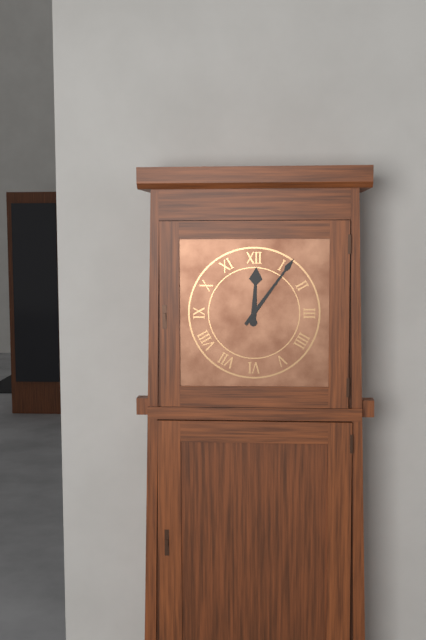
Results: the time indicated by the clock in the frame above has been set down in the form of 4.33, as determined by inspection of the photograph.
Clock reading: 12.06
